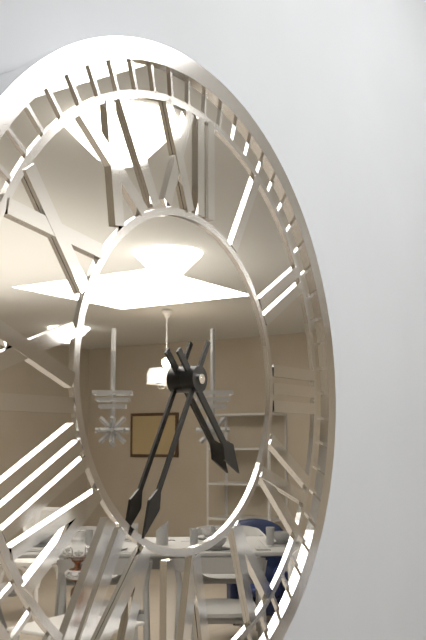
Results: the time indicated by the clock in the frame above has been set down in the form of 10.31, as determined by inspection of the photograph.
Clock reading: 4.35
